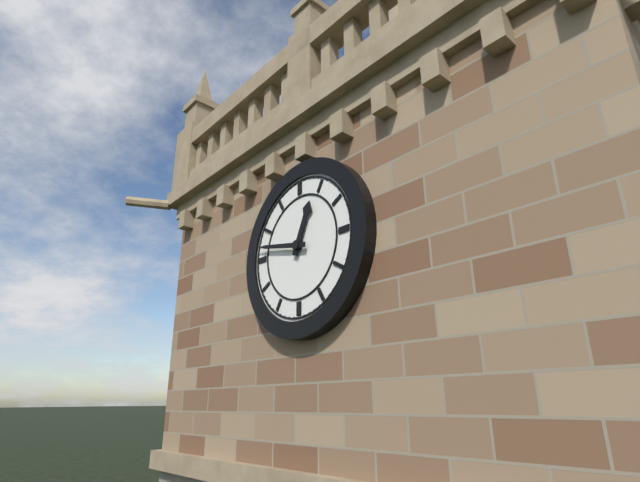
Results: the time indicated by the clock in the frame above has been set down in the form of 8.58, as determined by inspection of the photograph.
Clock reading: 12.47
